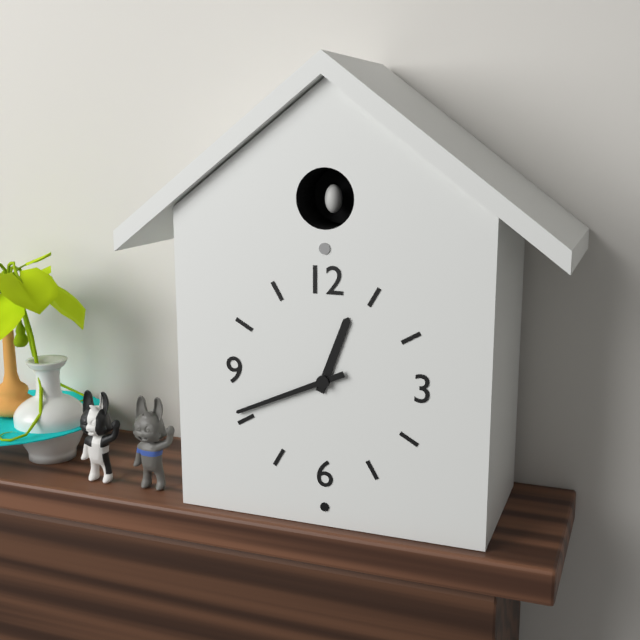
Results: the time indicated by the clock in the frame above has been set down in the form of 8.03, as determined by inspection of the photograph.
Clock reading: 12.41
